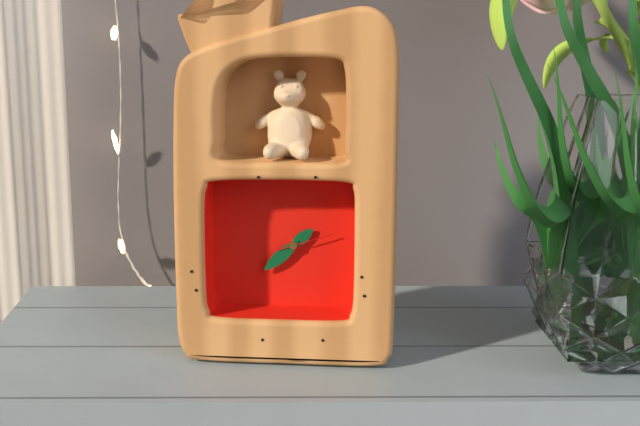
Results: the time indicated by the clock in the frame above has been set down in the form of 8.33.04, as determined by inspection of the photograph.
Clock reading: 1.38.12
